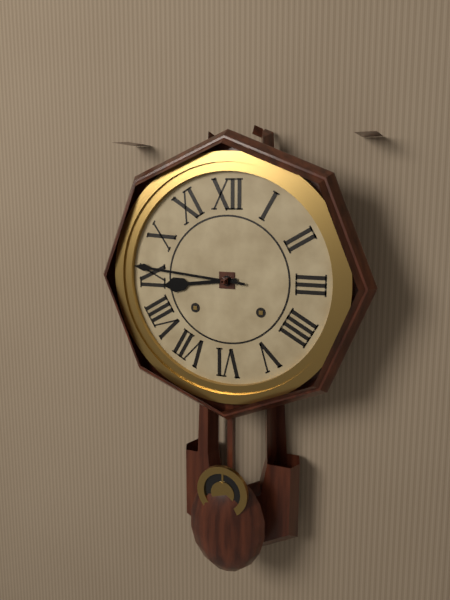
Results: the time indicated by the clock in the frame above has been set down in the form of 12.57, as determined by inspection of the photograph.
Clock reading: 8.46
